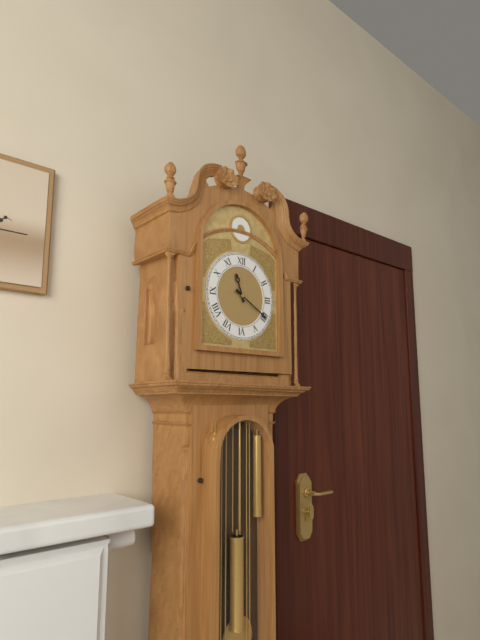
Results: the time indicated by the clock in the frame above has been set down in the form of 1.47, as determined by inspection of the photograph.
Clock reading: 11.20
